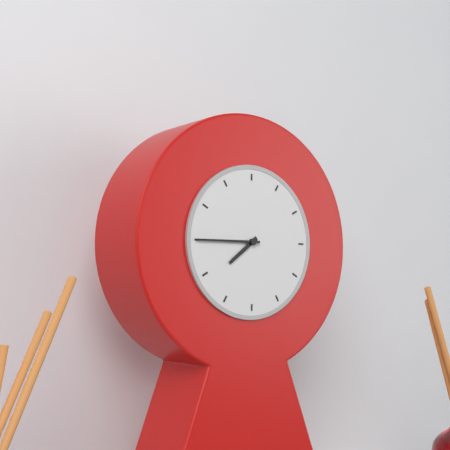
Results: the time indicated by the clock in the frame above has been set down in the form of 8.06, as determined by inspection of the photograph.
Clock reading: 7.45
